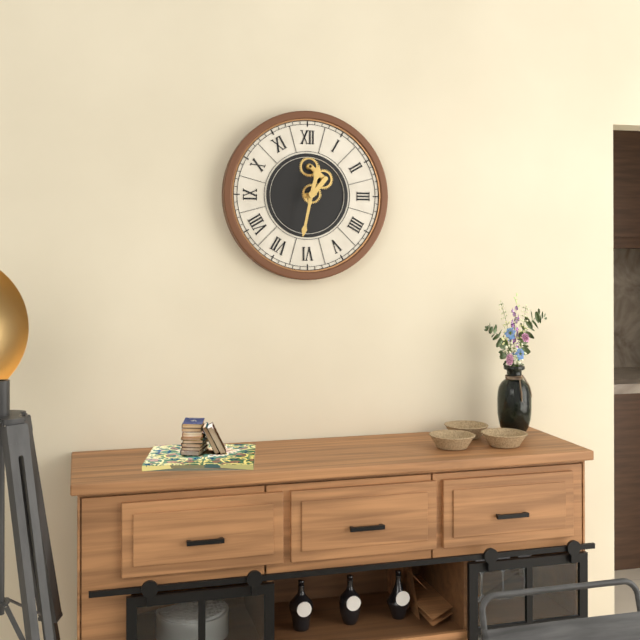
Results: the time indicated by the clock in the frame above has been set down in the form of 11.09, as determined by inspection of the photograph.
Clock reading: 12.32
